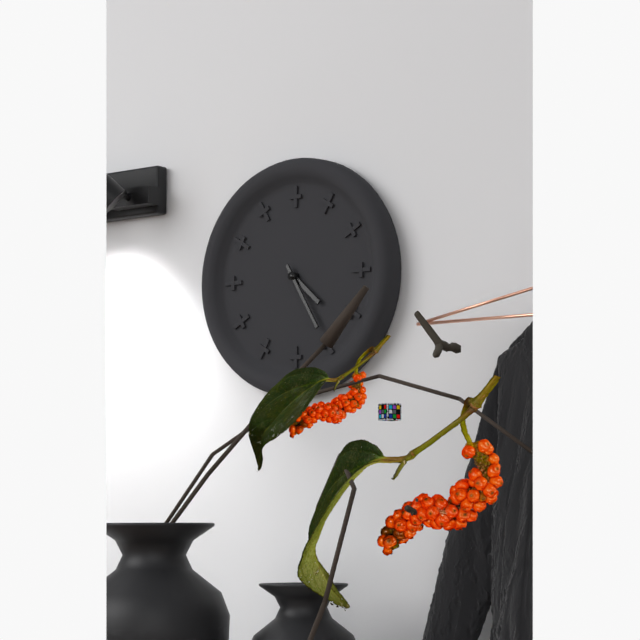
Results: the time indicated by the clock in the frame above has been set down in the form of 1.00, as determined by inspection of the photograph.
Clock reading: 4.25
